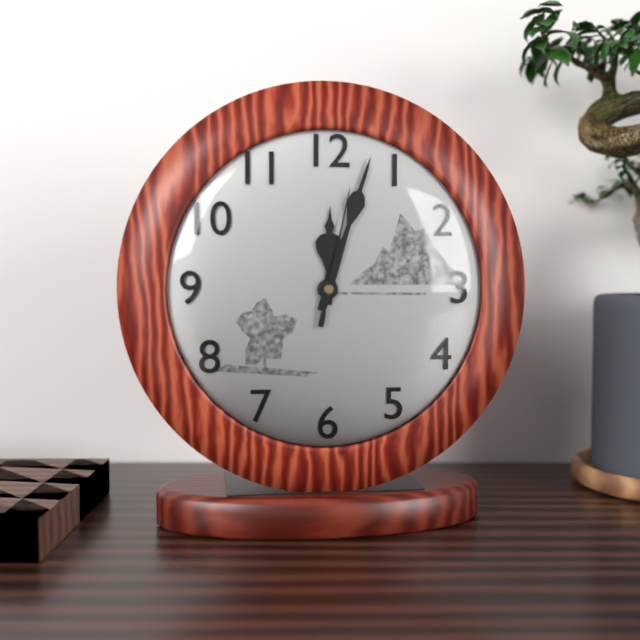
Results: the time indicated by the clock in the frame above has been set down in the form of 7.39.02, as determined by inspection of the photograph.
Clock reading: 12.03.02
